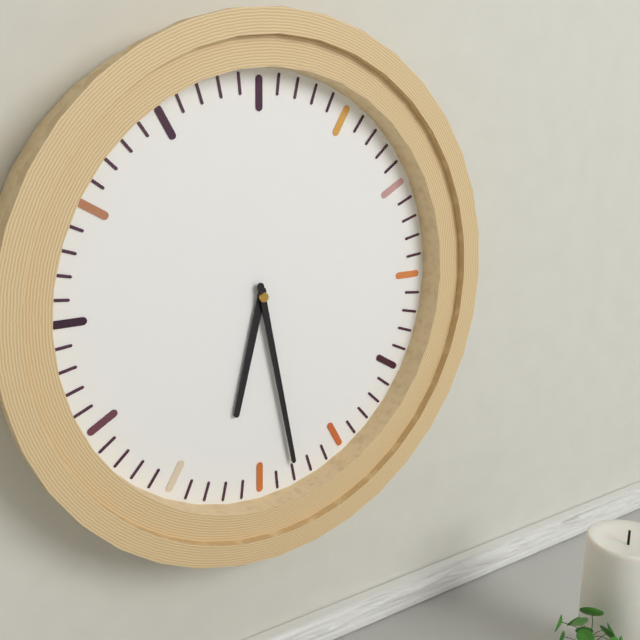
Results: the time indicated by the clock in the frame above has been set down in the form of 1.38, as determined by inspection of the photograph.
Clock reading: 6.28
